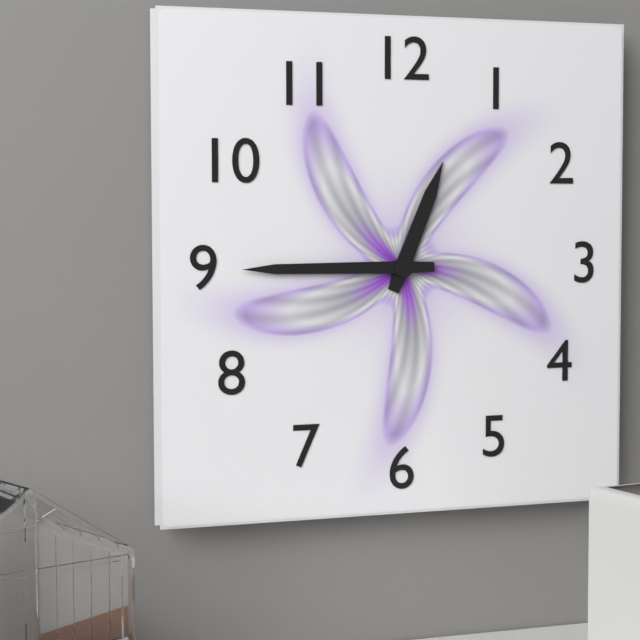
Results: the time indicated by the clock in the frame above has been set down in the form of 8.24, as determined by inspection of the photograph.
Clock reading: 12.45
